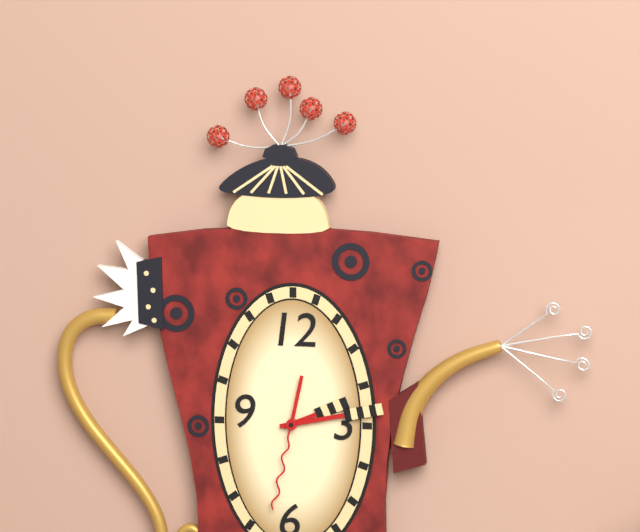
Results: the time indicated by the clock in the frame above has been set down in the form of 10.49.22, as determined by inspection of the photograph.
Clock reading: 2.13.32
